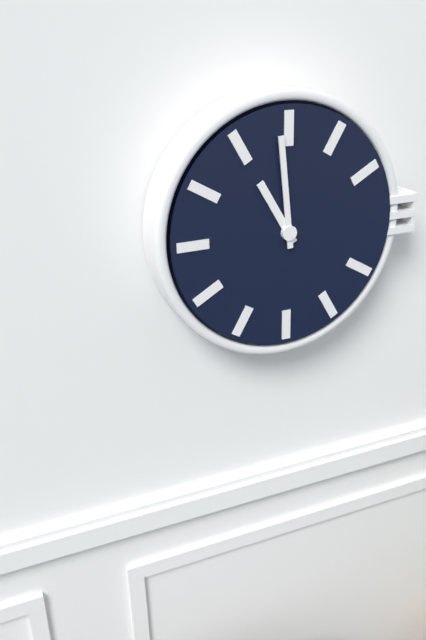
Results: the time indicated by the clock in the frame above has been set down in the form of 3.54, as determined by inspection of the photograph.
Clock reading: 10.59
